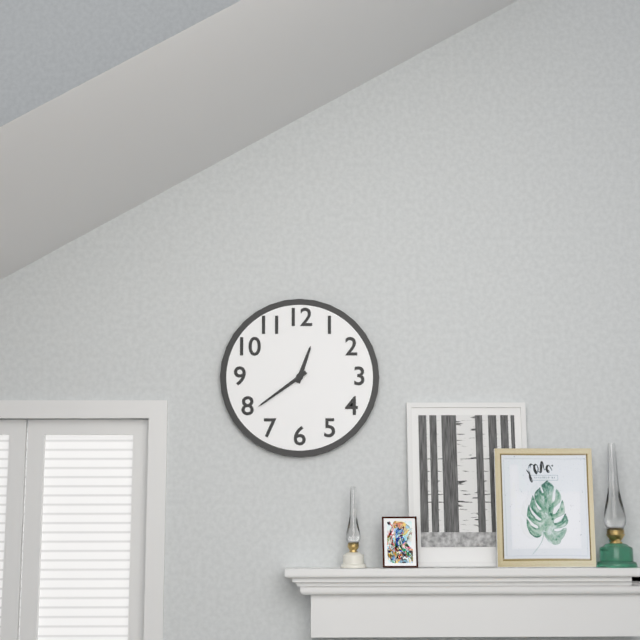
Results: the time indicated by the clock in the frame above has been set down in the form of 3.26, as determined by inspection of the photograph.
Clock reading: 12.39
